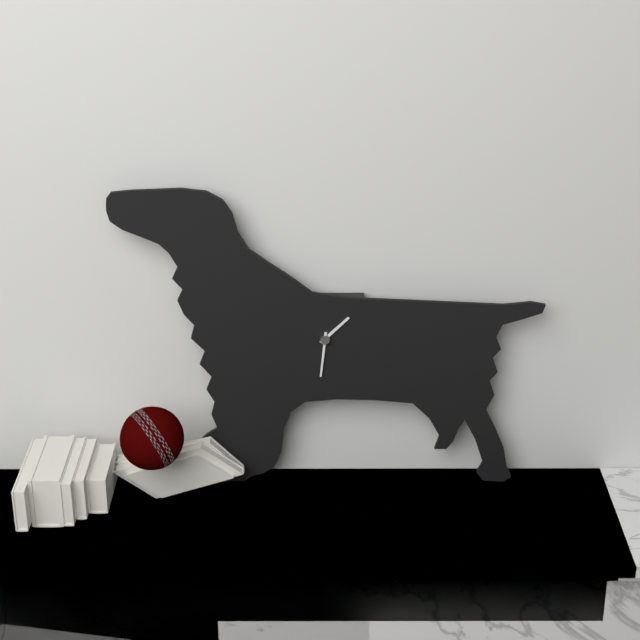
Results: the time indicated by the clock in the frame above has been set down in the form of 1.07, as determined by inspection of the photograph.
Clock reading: 1.31
